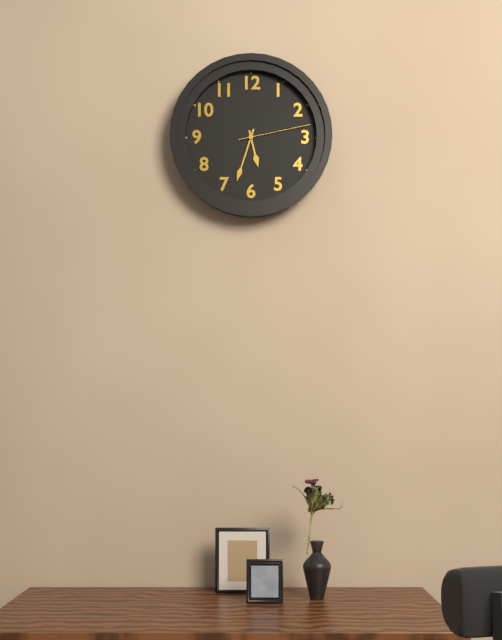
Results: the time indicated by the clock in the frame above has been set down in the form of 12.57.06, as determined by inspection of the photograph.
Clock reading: 5.33.13
